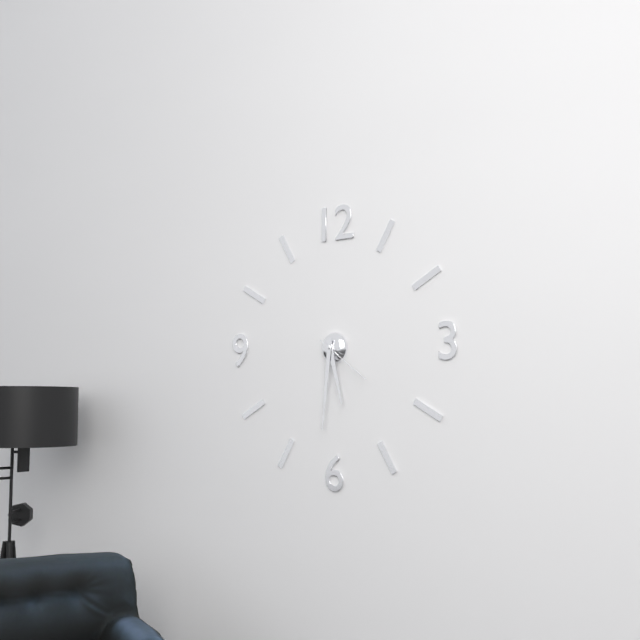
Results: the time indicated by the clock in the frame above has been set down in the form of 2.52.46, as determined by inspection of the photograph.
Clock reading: 5.31.21
